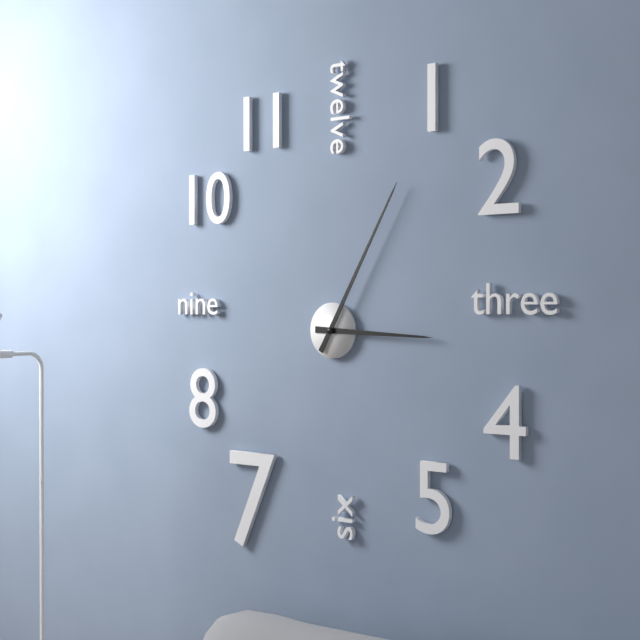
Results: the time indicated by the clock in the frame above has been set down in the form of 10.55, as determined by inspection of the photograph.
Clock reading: 3.05
